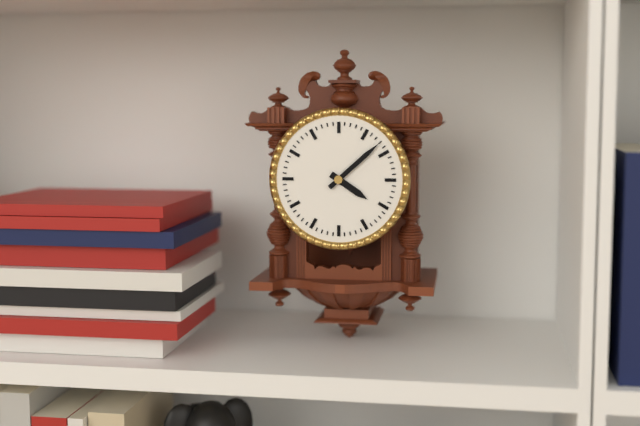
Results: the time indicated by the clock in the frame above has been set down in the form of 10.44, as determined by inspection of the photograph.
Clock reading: 4.08
